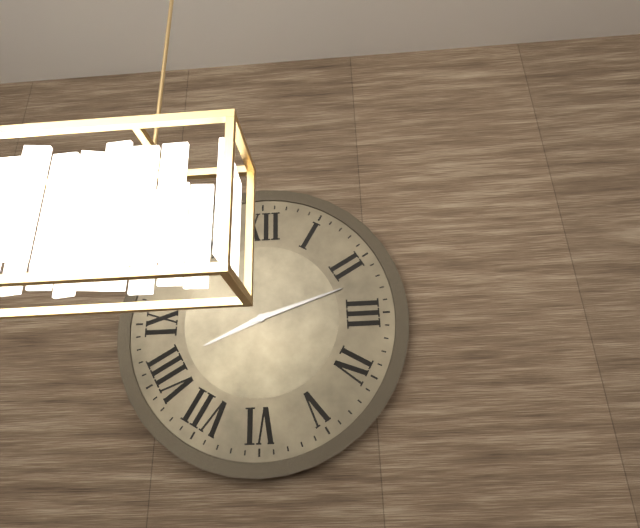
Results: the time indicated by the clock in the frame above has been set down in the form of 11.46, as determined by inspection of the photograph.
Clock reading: 8.12
